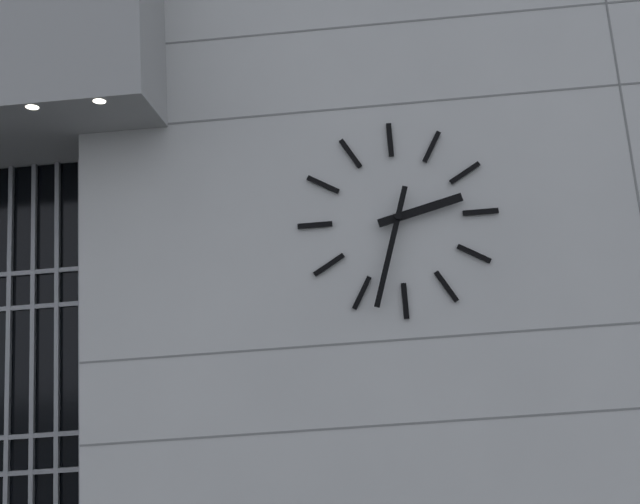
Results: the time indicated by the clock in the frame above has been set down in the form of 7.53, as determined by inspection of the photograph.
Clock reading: 2.33
